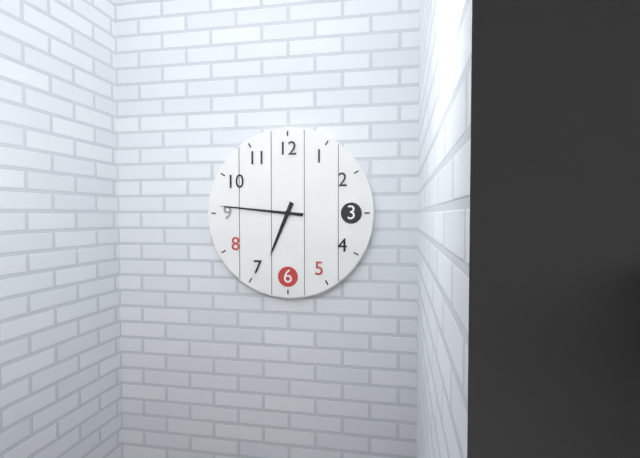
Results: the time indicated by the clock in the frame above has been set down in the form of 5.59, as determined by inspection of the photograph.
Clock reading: 6.46
